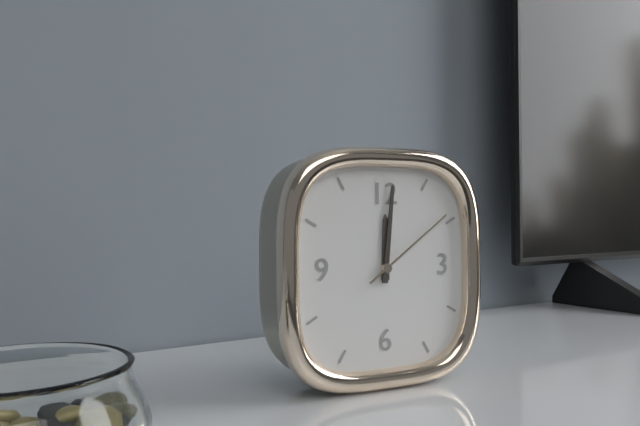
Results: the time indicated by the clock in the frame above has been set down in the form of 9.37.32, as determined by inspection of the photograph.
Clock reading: 12.01.09
